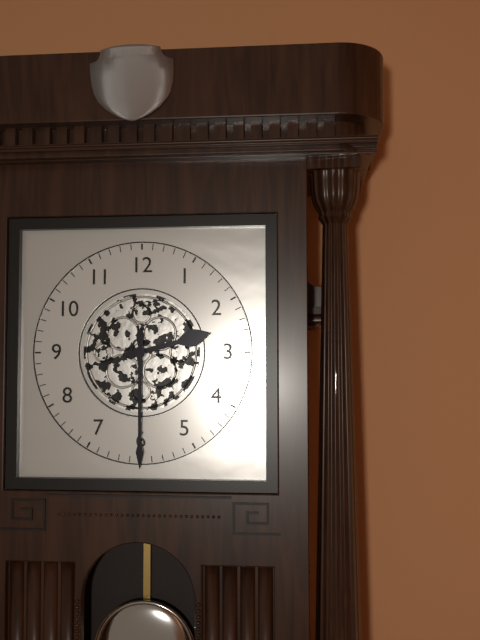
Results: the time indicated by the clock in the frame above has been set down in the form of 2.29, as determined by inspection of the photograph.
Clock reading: 2.30
